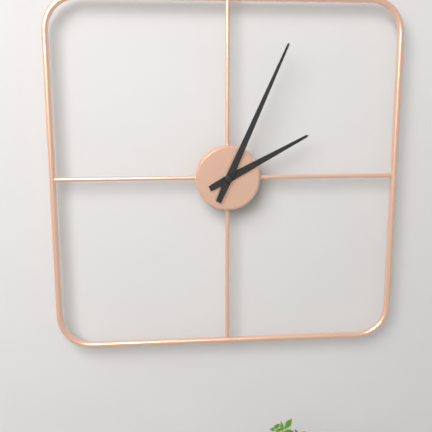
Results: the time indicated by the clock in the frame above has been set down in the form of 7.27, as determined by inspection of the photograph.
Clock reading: 2.04
